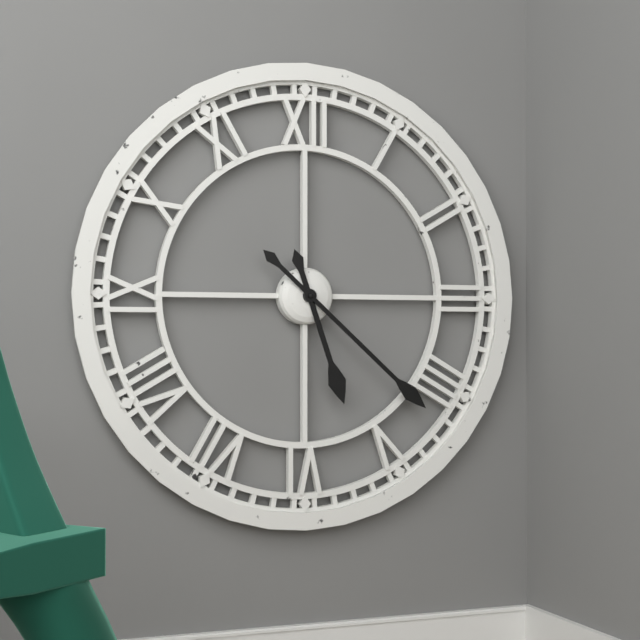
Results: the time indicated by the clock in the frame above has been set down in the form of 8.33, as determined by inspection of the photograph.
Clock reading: 5.22
